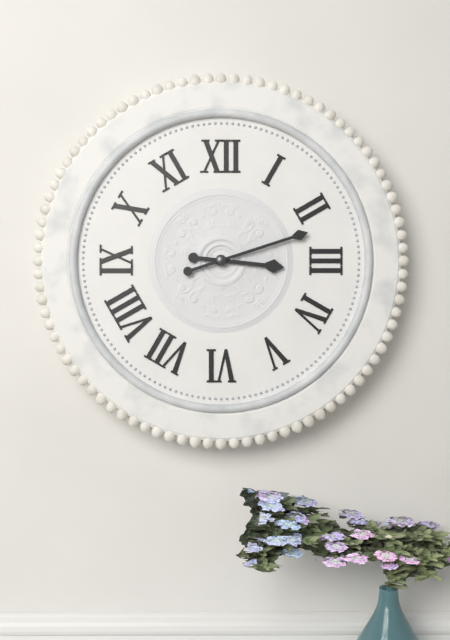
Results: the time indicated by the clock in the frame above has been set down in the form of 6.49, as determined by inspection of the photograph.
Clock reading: 3.12
